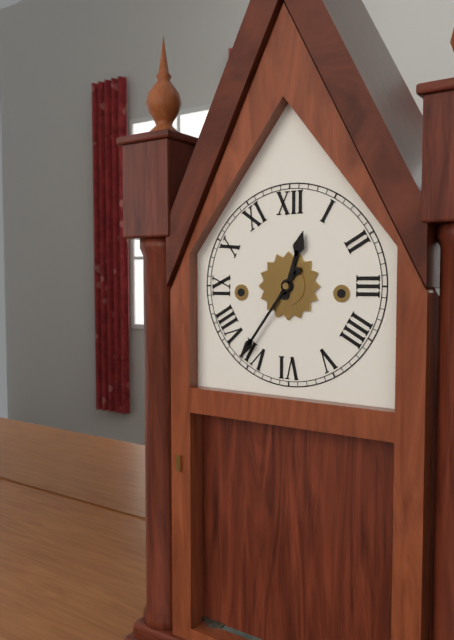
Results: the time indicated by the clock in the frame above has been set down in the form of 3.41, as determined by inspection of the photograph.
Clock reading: 12.36
